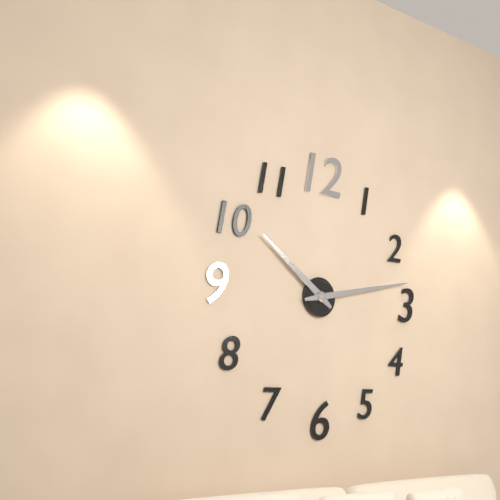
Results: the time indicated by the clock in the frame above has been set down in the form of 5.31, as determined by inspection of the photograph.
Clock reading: 10.13
